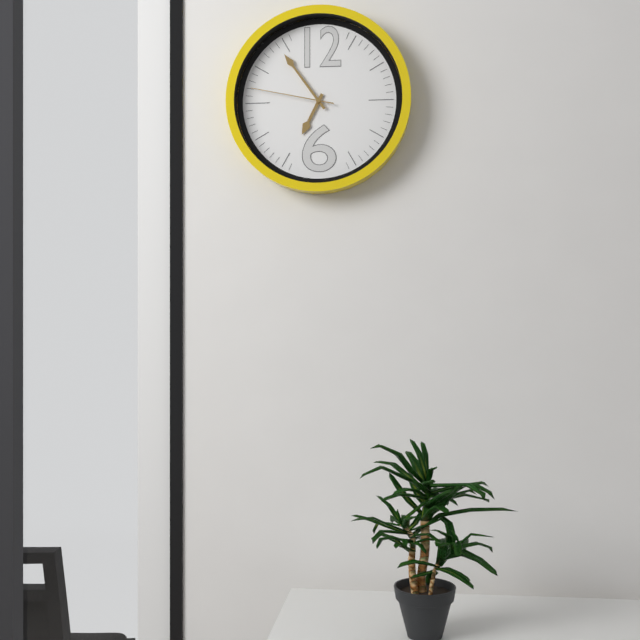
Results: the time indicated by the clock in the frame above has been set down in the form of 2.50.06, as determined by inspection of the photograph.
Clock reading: 6.54.47
